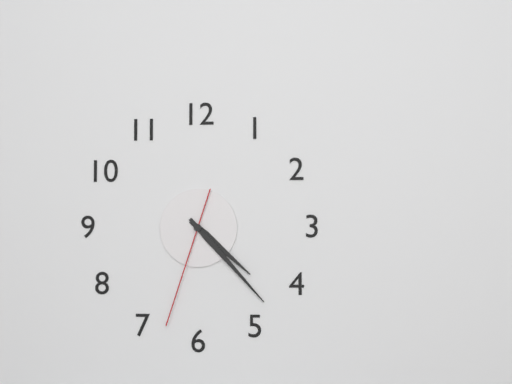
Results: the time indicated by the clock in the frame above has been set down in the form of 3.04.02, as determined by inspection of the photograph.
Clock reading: 4.23.33
